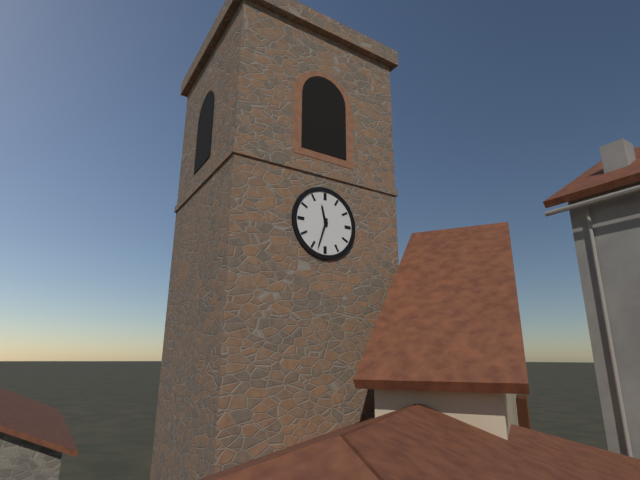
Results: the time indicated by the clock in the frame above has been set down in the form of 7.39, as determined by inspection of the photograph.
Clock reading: 11.33
